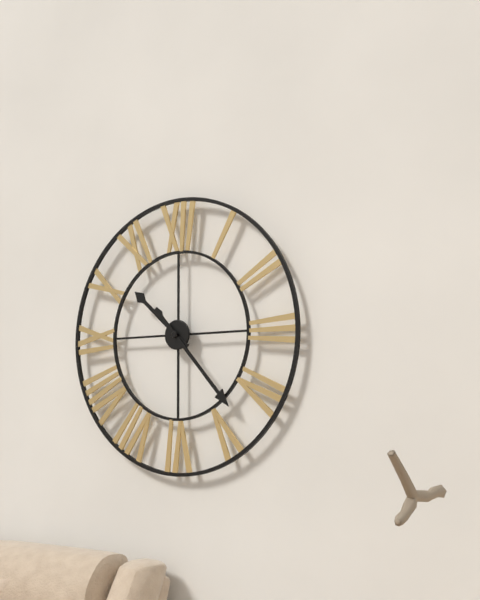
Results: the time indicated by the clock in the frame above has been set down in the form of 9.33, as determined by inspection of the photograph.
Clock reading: 10.23
